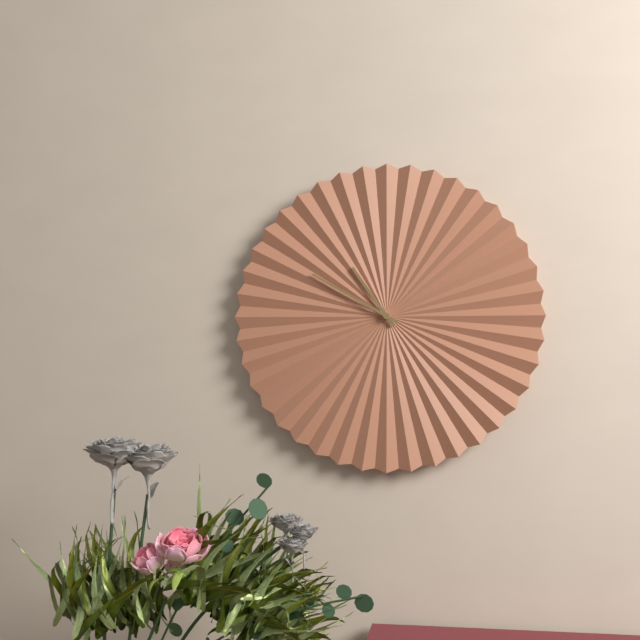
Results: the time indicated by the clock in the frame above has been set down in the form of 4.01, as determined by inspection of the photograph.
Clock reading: 10.50
